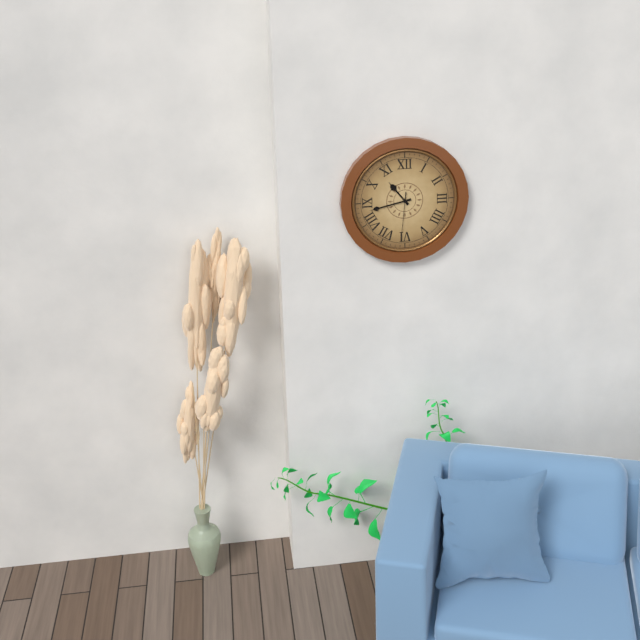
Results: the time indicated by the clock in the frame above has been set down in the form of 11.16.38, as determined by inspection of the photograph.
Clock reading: 10.43.31
